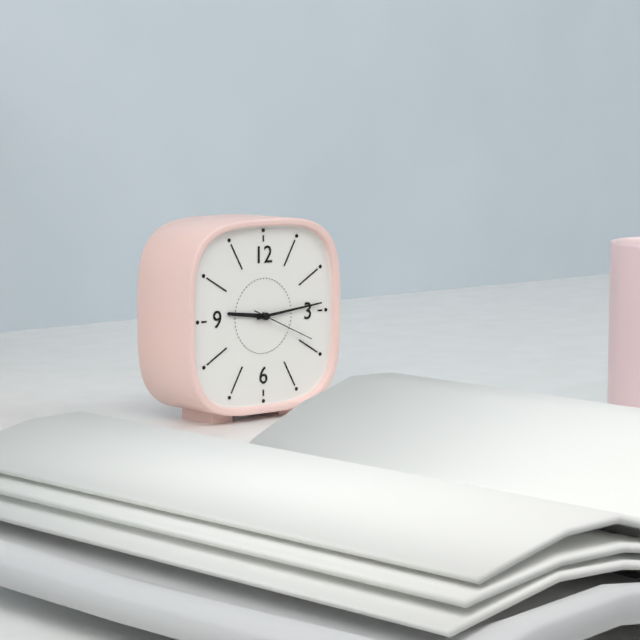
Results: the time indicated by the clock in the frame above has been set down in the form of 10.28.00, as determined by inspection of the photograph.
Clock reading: 9.14.19
